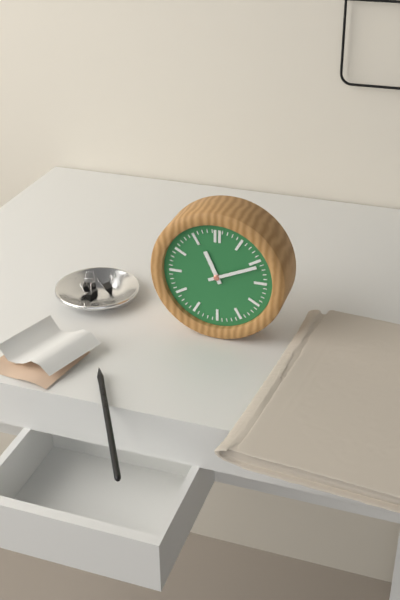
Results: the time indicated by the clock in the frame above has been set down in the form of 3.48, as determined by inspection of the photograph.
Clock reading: 11.11
